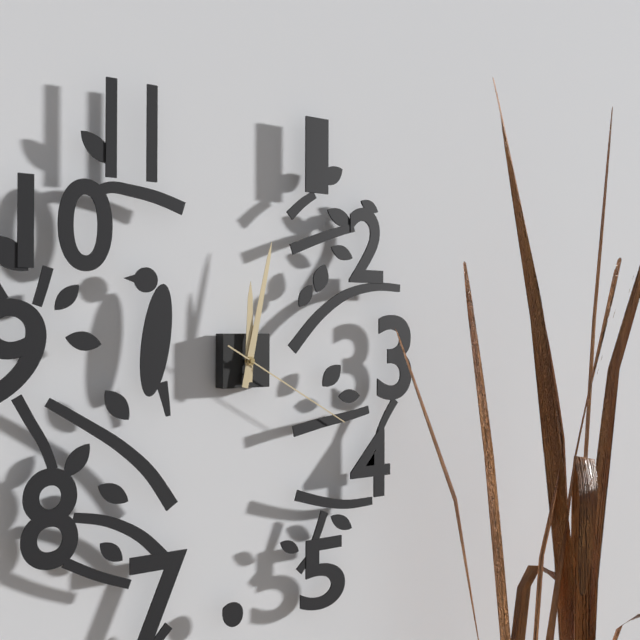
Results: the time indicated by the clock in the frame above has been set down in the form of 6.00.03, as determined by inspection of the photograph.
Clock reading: 12.02.20
